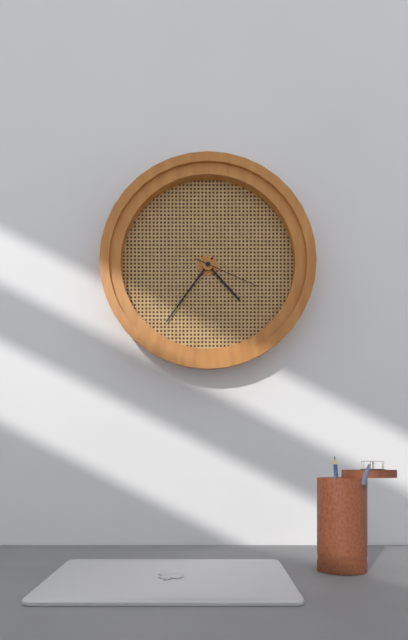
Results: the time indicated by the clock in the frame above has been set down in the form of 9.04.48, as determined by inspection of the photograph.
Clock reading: 4.36.19
